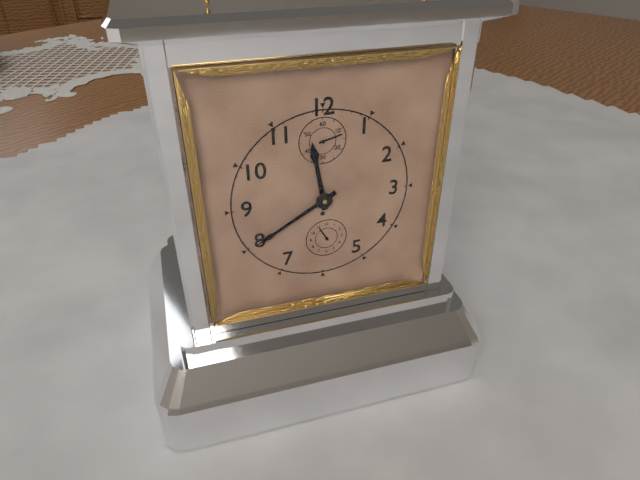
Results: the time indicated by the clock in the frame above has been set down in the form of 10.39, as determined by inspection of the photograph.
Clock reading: 11.40
